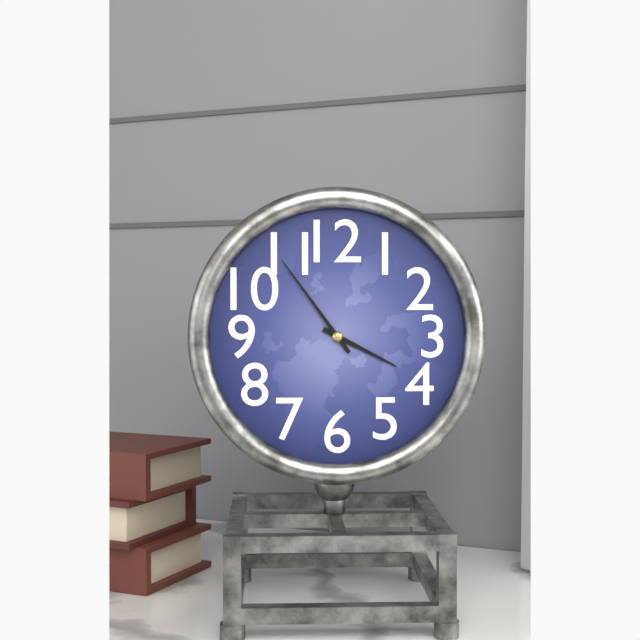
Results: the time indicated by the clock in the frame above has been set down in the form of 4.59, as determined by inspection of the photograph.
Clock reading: 3.54
